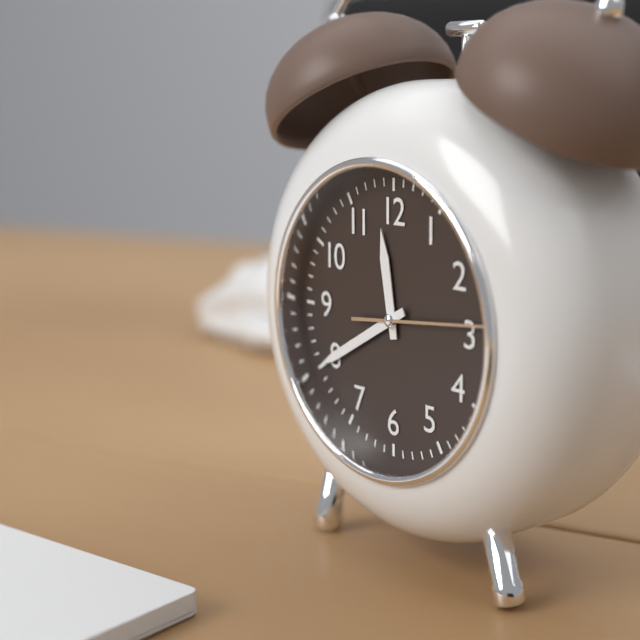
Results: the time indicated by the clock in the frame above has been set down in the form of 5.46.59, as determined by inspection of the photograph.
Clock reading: 11.40.14
